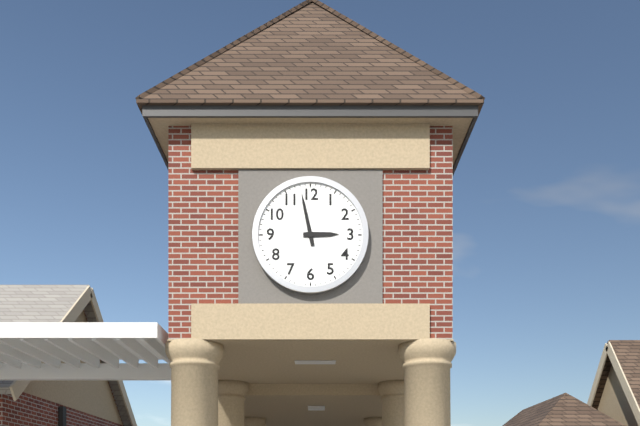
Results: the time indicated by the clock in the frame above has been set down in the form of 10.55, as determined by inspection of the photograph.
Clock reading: 2.58
